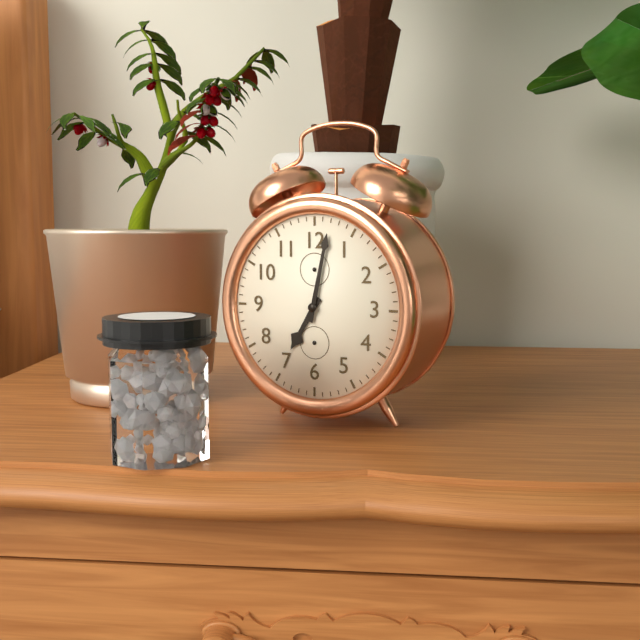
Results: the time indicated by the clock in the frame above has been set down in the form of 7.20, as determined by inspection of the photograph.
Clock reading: 7.02
